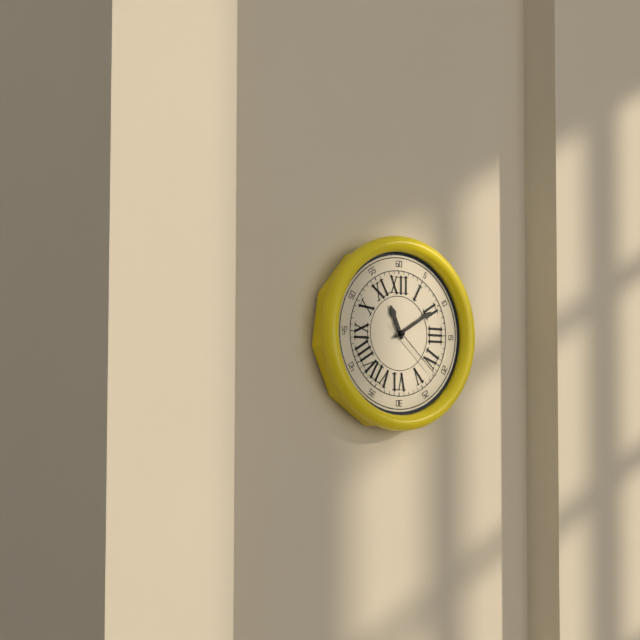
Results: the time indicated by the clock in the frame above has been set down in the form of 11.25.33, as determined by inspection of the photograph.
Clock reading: 11.10.22
